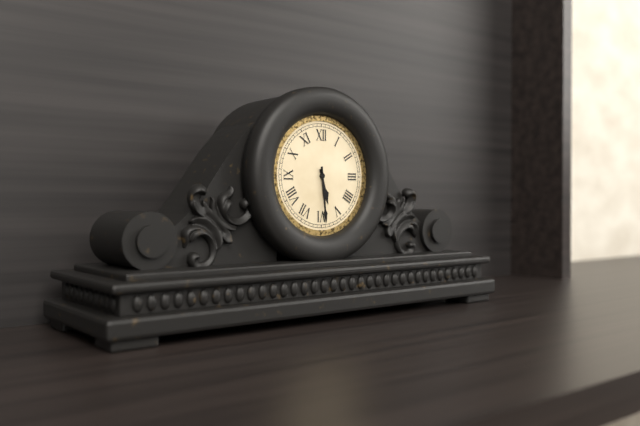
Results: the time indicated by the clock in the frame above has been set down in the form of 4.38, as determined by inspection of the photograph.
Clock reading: 5.29
